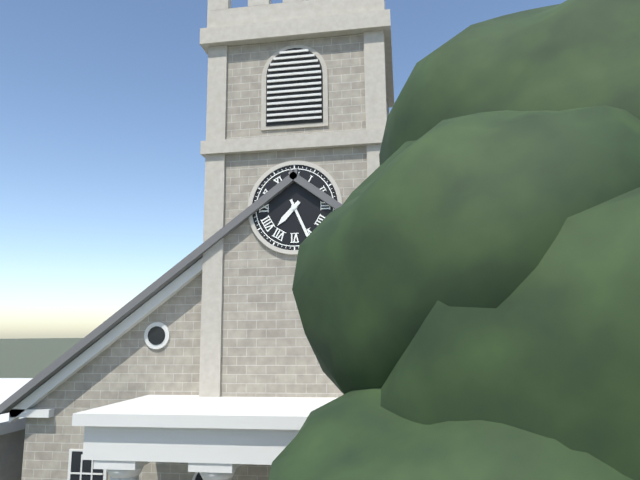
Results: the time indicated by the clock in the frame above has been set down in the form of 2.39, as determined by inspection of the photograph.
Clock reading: 7.26
